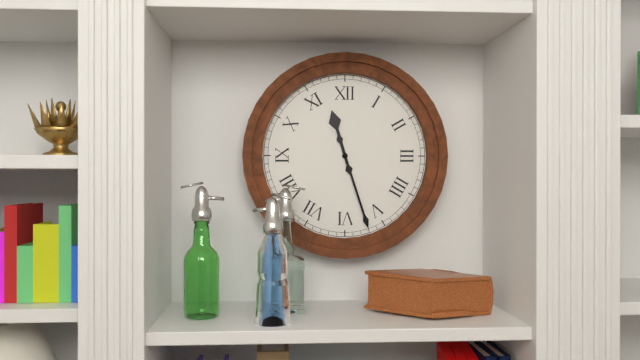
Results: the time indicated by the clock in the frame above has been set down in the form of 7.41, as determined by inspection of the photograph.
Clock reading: 11.27
